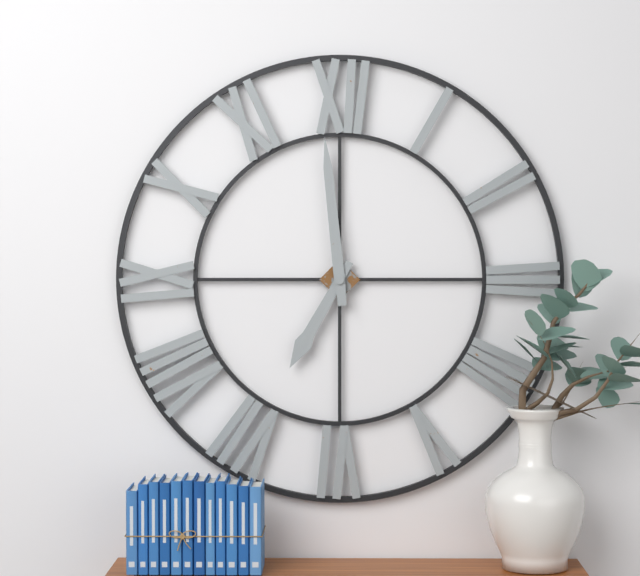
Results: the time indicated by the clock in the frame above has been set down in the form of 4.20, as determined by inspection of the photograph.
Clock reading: 6.59
